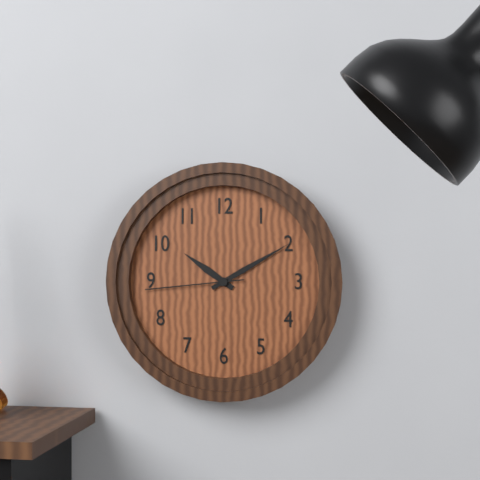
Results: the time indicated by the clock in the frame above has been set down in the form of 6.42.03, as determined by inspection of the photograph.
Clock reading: 10.10.44
